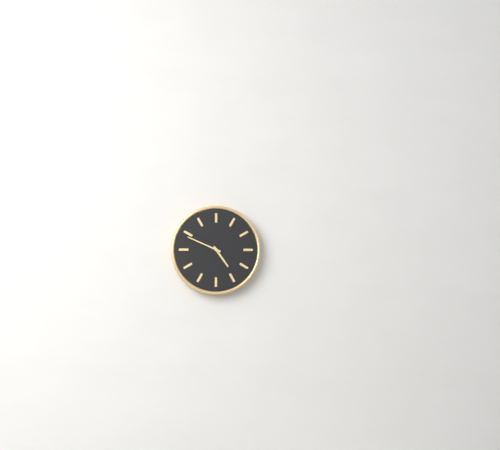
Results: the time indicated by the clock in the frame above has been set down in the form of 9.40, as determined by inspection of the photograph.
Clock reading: 4.49
